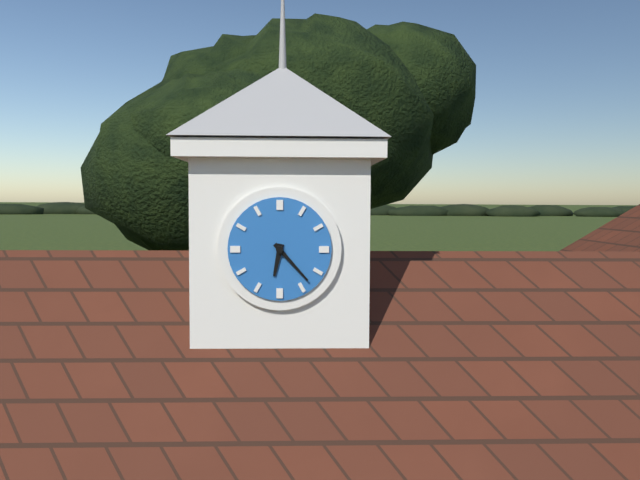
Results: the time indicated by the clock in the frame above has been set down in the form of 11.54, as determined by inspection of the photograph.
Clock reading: 6.23
